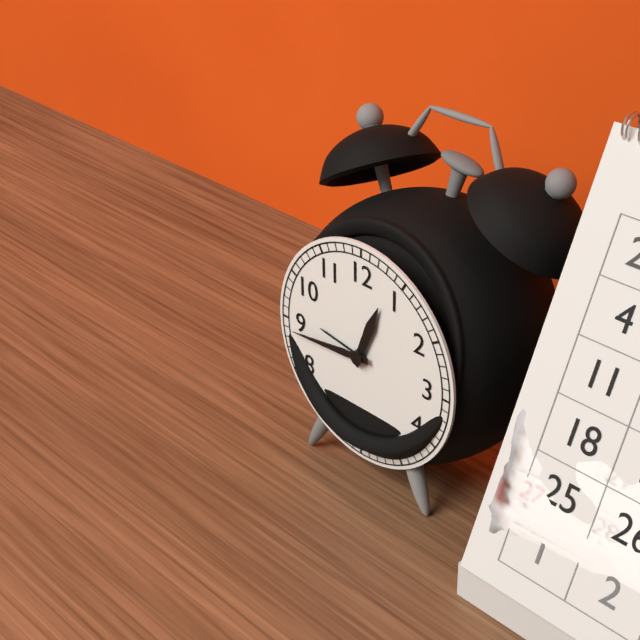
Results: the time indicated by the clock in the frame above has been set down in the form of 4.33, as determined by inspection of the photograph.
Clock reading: 12.44
